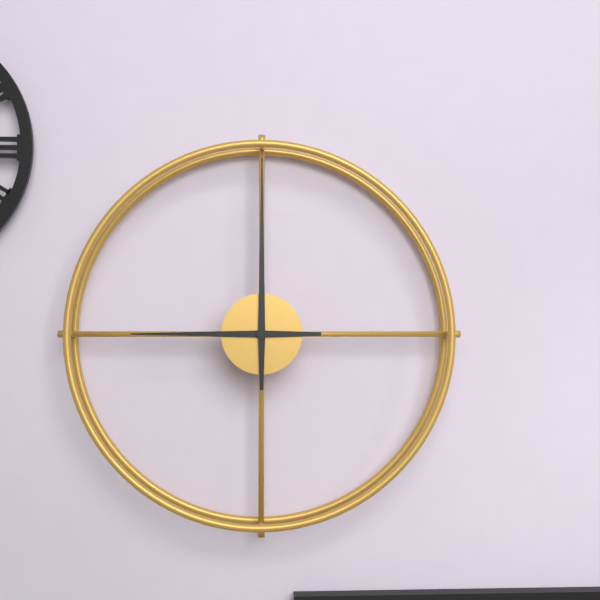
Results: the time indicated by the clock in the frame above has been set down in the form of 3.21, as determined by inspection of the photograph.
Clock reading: 9.00
